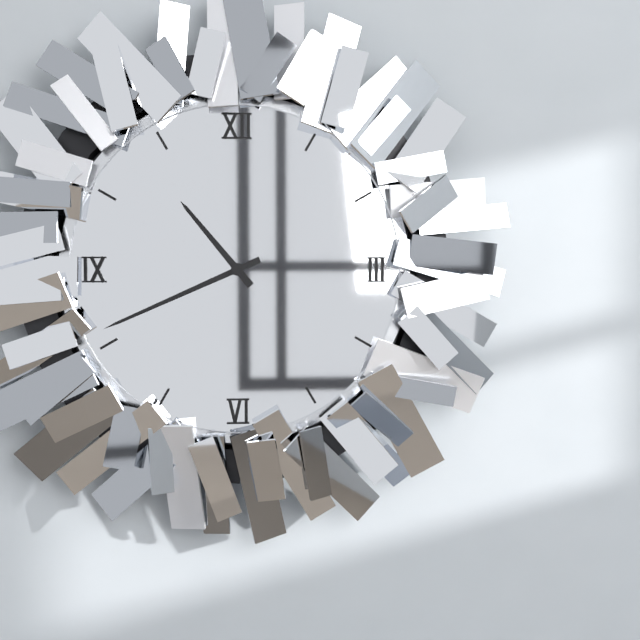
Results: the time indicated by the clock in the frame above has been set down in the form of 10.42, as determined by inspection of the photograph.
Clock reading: 10.41
